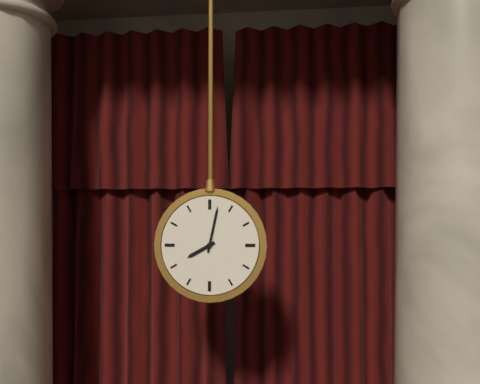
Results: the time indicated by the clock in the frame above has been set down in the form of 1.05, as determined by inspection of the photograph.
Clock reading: 8.02
